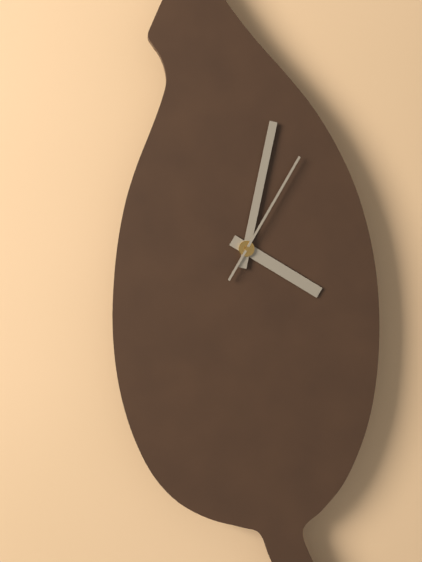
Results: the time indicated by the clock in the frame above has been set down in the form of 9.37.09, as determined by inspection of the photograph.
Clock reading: 4.02.05
